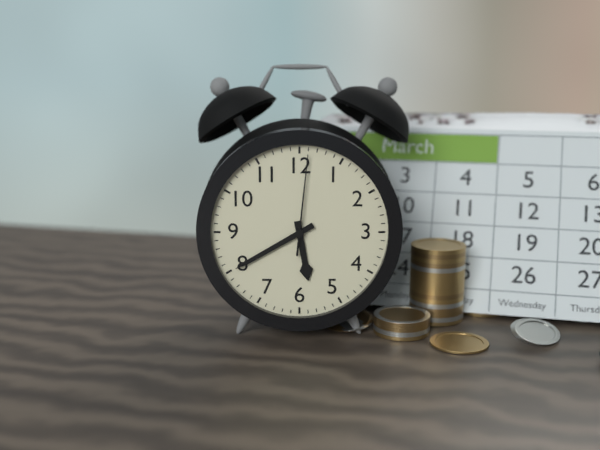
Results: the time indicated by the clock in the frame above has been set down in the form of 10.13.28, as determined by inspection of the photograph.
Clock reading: 5.40.01
